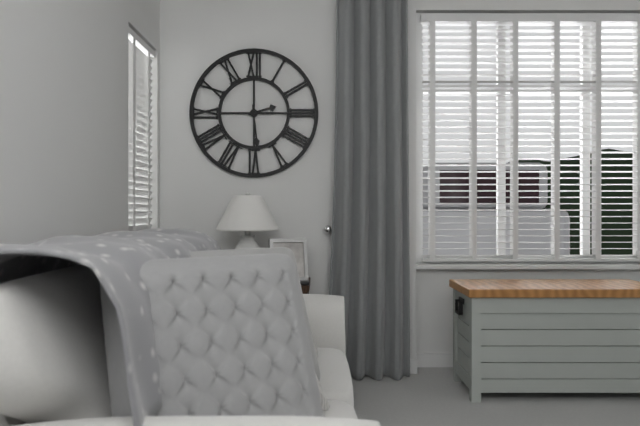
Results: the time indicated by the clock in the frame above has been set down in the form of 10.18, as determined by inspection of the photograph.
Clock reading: 2.29
